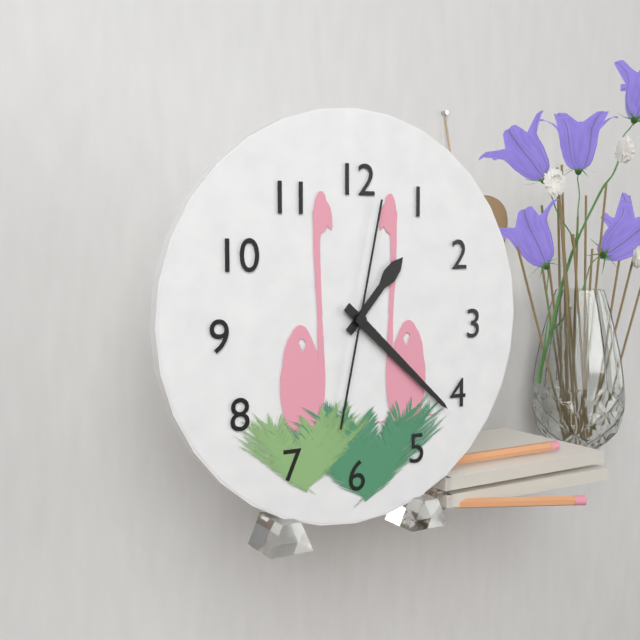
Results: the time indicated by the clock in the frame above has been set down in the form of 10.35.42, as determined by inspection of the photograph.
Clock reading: 1.22.02
